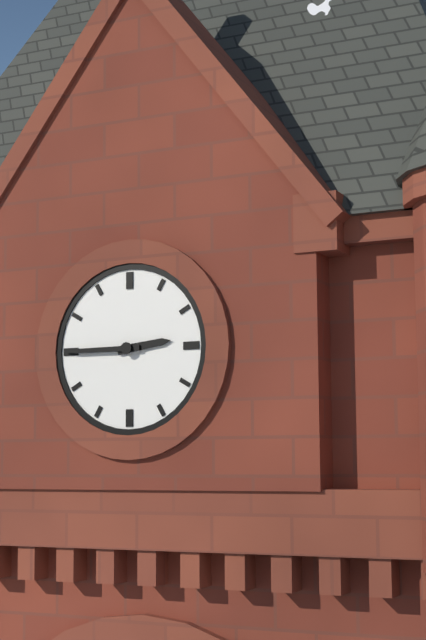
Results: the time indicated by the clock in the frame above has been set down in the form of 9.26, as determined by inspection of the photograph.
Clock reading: 2.45
